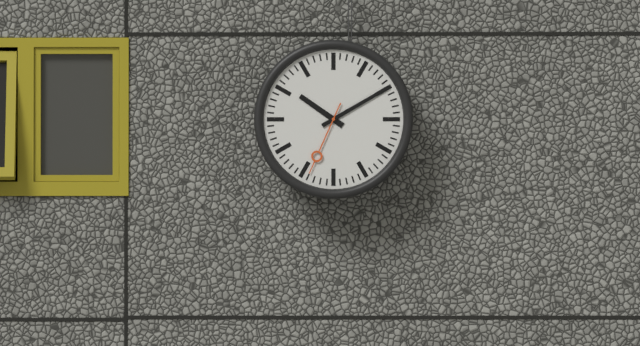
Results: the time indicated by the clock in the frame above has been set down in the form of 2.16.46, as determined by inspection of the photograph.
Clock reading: 10.10.34
